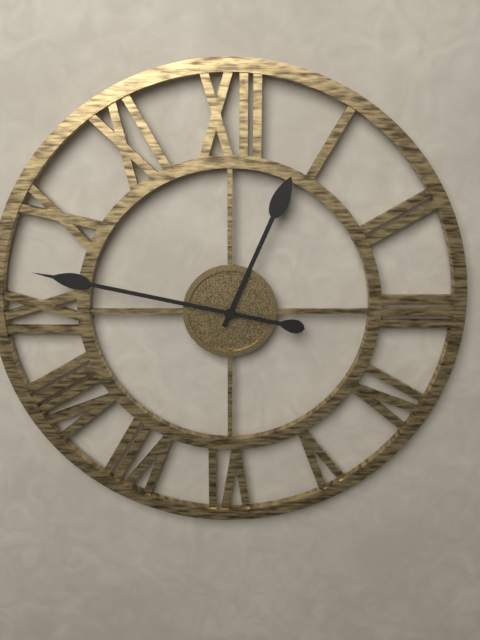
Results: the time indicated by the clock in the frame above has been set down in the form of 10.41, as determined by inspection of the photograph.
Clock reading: 12.47
